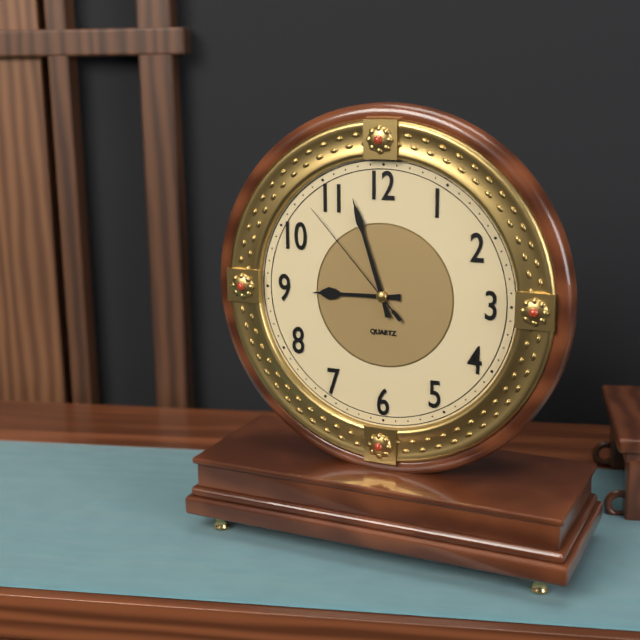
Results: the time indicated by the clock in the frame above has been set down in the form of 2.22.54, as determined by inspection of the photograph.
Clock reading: 8.57.53
